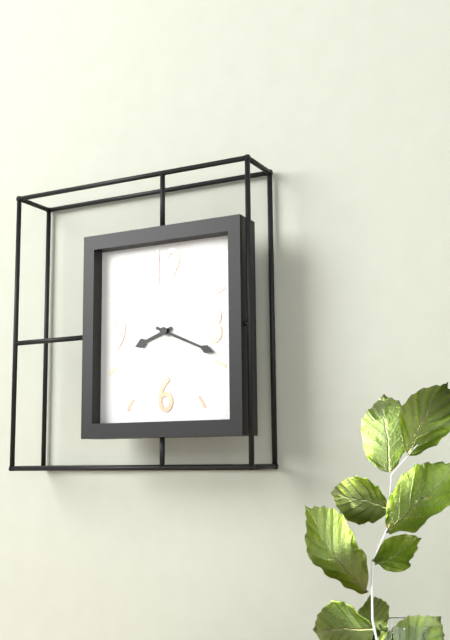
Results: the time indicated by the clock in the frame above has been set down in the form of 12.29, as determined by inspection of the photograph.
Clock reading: 8.19
